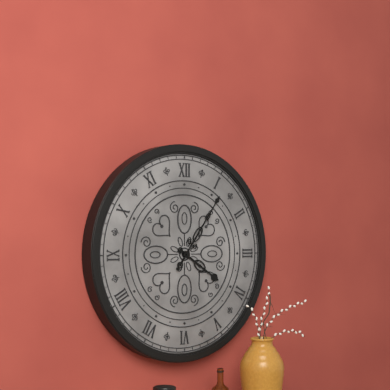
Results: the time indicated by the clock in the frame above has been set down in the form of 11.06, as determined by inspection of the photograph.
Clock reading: 4.06
